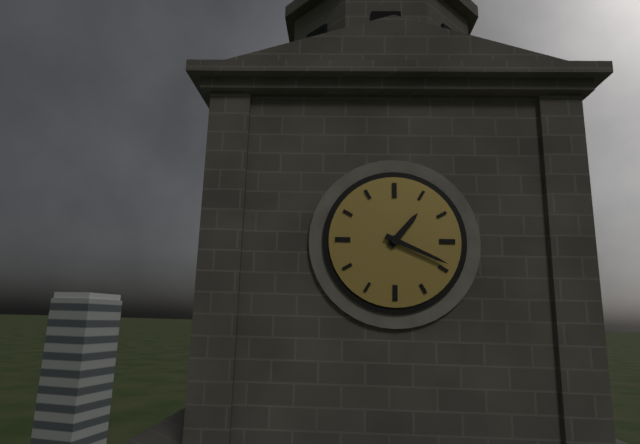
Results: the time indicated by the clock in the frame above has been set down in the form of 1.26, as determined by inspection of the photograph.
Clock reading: 1.19
